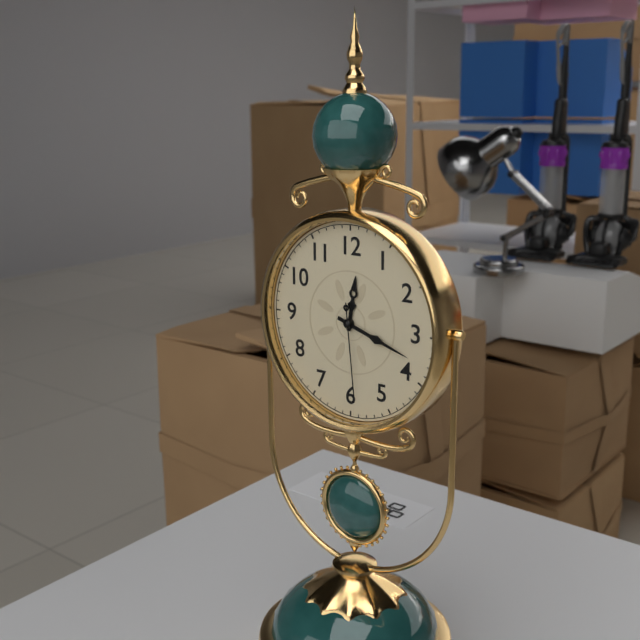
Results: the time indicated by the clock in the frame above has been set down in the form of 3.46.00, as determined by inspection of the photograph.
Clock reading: 12.18.29
